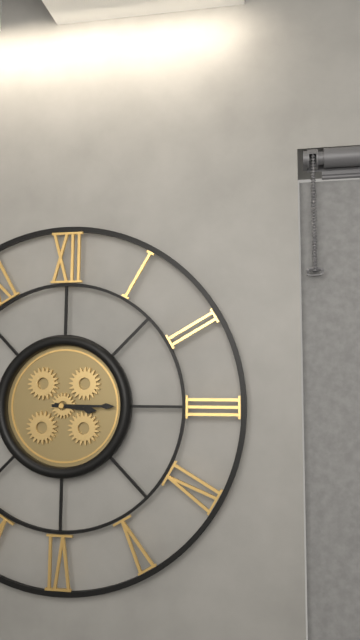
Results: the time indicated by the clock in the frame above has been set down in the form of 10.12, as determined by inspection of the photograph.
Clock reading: 3.15
